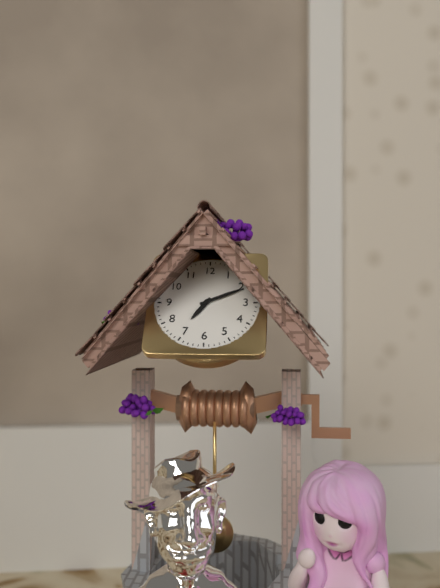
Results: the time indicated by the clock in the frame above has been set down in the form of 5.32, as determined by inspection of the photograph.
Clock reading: 7.11
